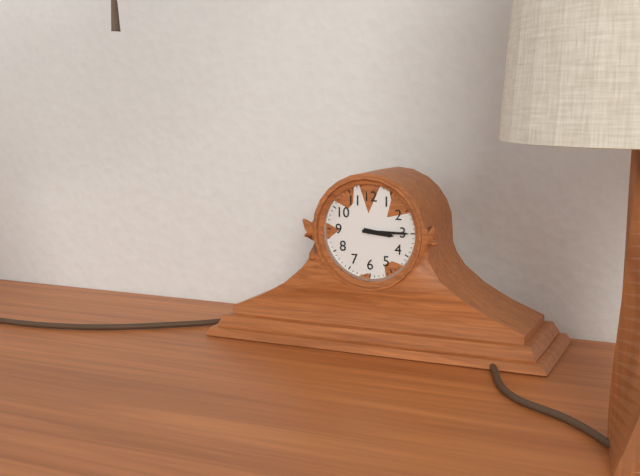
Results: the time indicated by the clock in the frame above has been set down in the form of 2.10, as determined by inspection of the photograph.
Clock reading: 3.15
